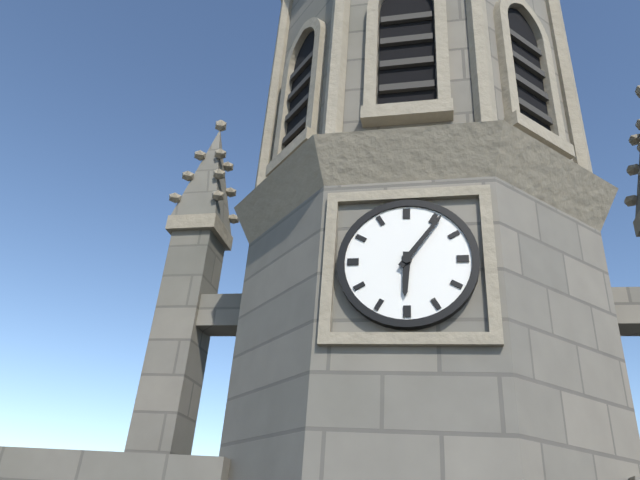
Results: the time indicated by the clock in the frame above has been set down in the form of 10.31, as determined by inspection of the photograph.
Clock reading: 6.06
